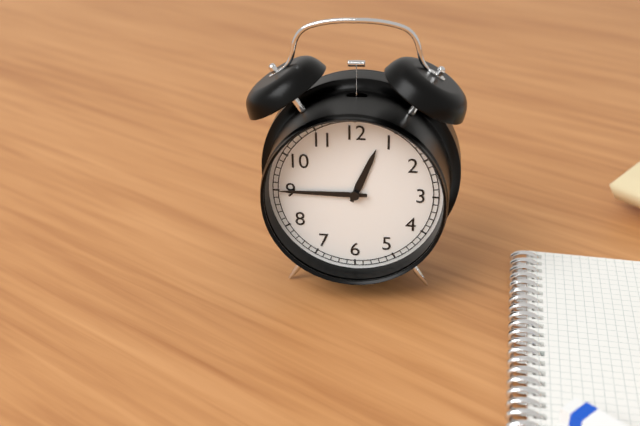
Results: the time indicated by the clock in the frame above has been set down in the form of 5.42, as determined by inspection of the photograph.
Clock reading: 12.45
